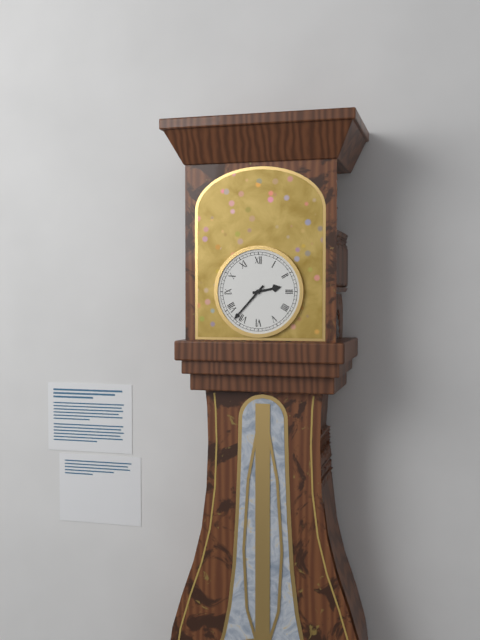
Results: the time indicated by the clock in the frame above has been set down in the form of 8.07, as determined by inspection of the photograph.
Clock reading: 2.37
